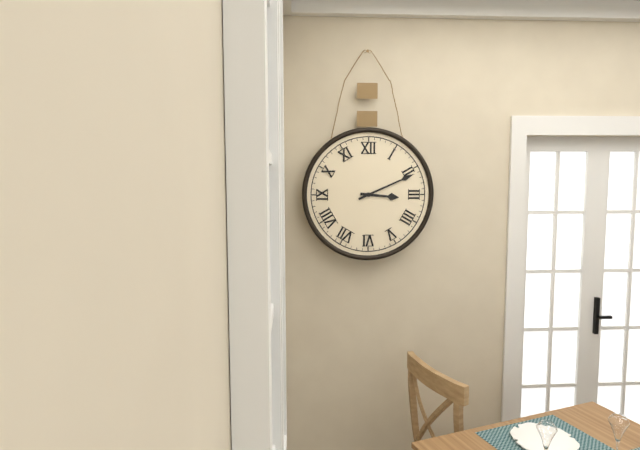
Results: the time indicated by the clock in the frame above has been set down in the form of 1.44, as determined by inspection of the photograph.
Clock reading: 3.11
